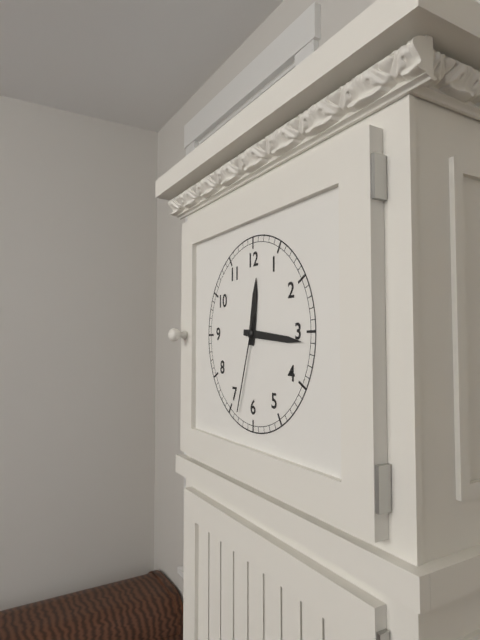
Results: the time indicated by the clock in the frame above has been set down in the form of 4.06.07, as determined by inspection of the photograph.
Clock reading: 12.16.33
